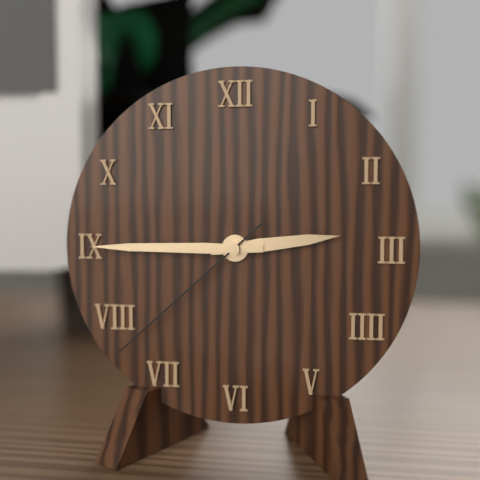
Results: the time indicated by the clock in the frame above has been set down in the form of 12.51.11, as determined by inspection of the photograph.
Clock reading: 2.45.38
